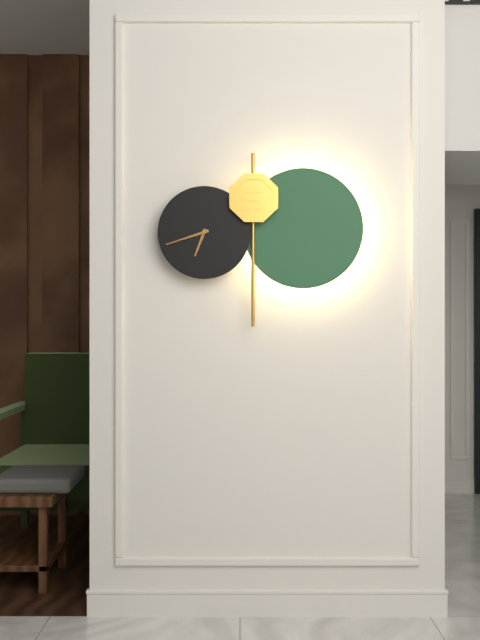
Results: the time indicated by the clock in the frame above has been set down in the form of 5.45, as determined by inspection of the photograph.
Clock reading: 6.42
